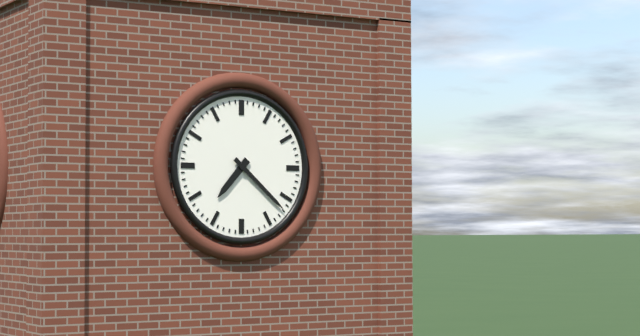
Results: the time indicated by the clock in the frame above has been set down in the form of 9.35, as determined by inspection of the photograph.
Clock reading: 7.22
